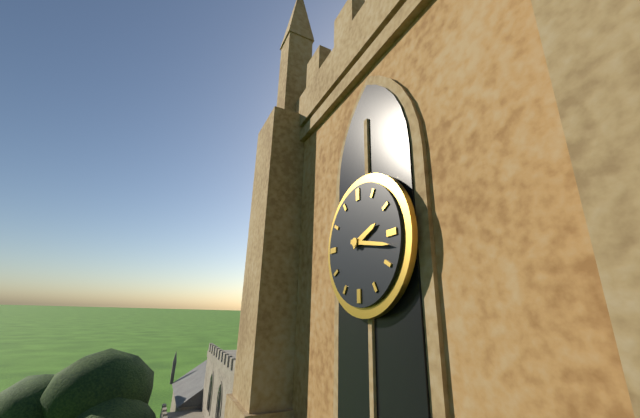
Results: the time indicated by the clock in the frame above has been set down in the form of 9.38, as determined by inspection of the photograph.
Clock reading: 2.17
